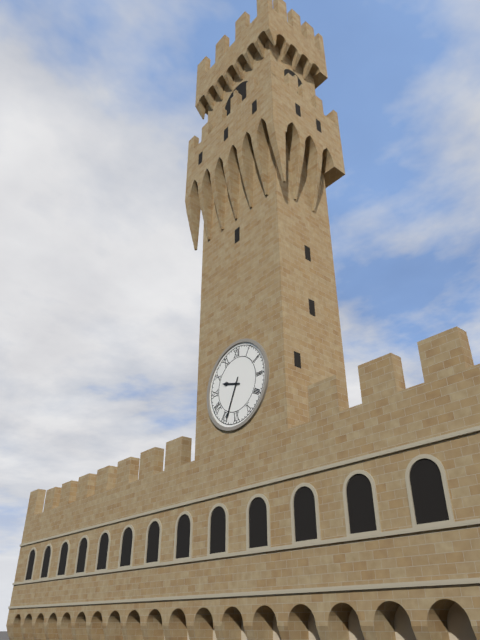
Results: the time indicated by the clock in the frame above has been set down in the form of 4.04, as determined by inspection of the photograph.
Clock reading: 9.34
